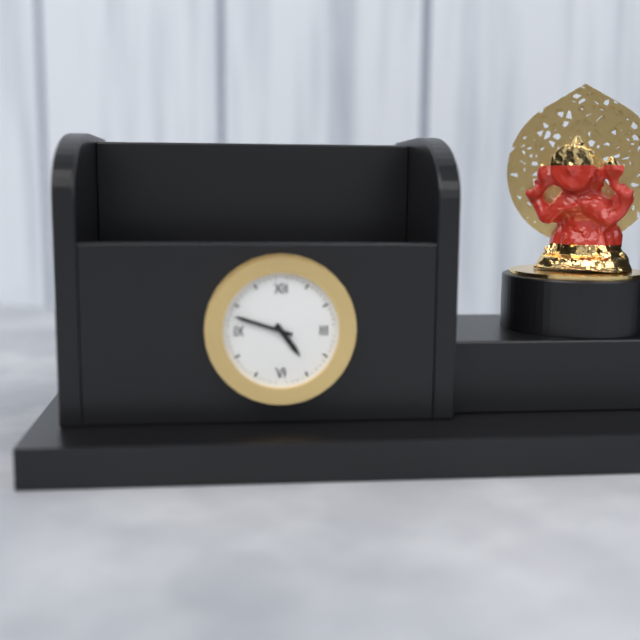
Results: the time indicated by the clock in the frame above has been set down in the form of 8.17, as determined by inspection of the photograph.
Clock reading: 4.48
